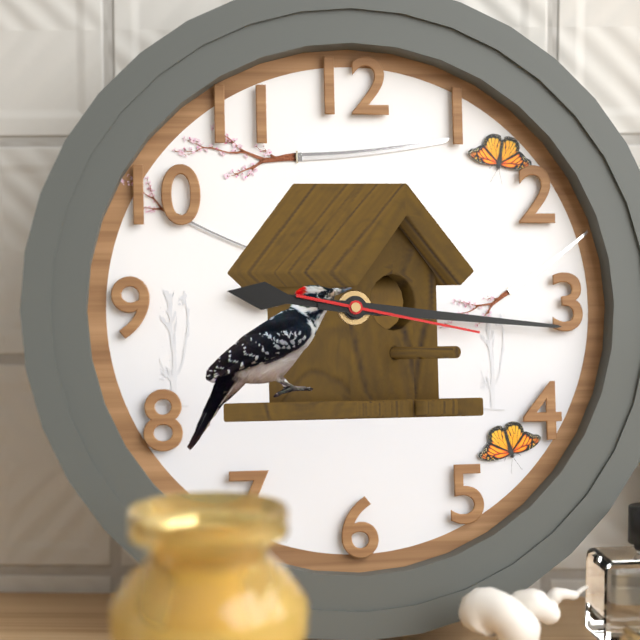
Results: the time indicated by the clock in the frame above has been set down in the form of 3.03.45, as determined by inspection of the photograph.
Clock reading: 9.16.17
